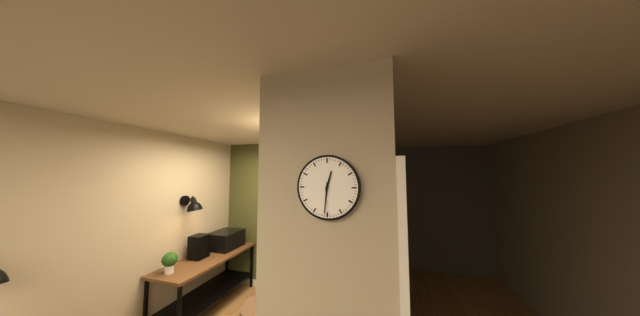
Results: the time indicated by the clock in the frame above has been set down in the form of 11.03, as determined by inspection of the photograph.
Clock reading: 12.31
